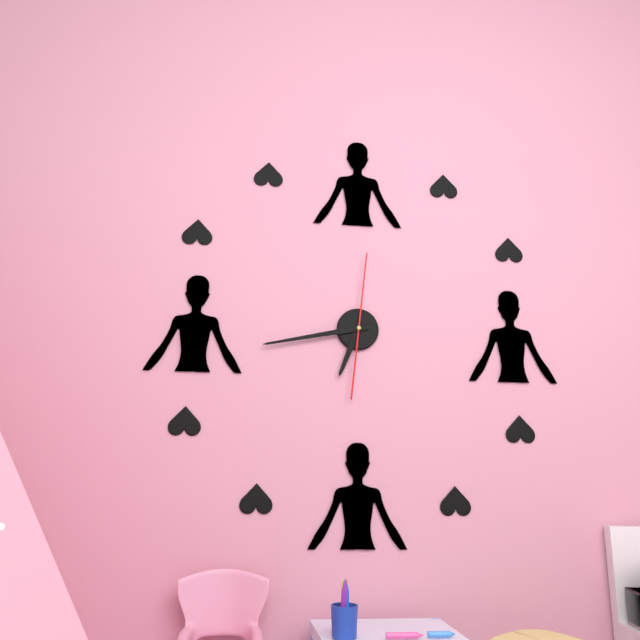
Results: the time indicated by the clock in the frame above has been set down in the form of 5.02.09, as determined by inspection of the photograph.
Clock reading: 6.43.01
